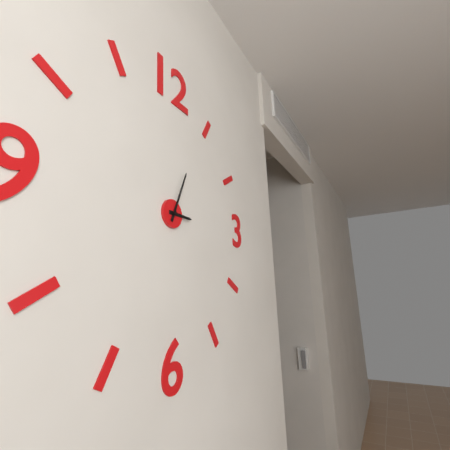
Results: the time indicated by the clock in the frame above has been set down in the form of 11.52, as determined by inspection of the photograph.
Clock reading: 3.04
